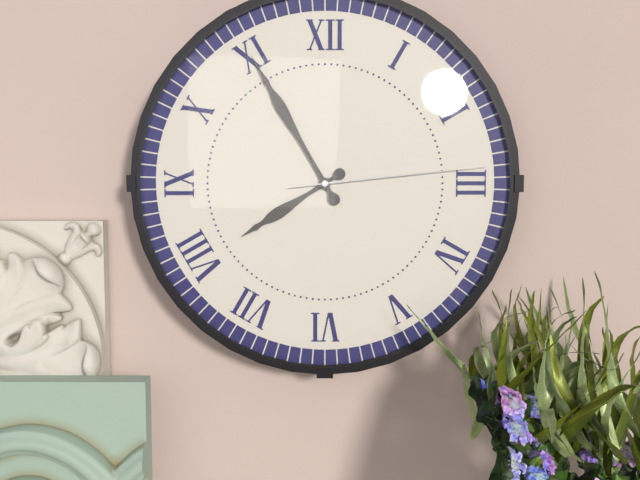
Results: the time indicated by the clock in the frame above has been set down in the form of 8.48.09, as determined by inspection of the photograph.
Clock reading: 7.55.14
